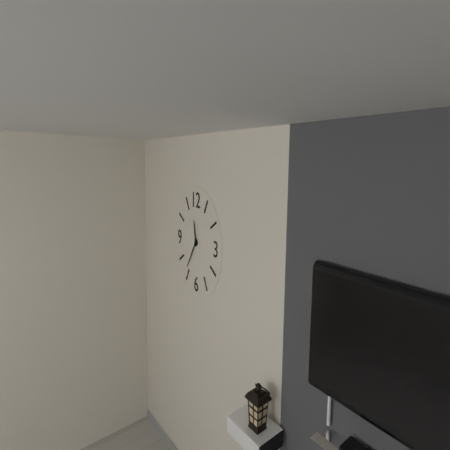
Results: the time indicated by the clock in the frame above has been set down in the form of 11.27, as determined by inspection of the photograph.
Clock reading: 11.36
